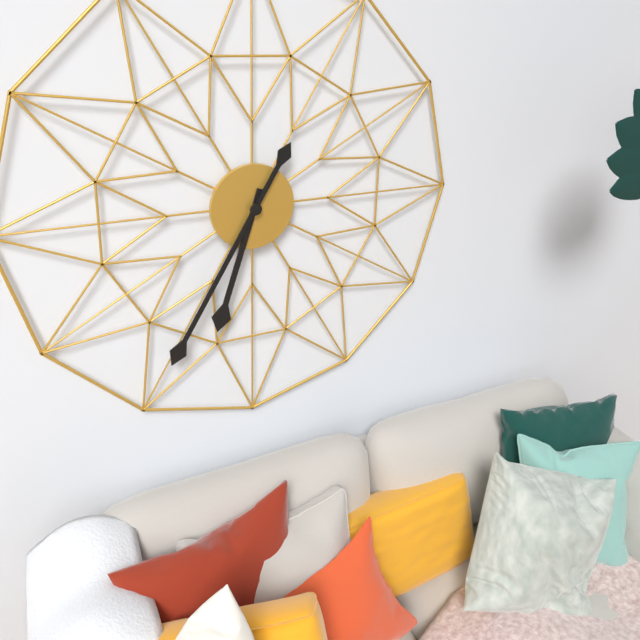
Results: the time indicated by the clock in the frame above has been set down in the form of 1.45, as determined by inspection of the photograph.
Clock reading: 6.35
